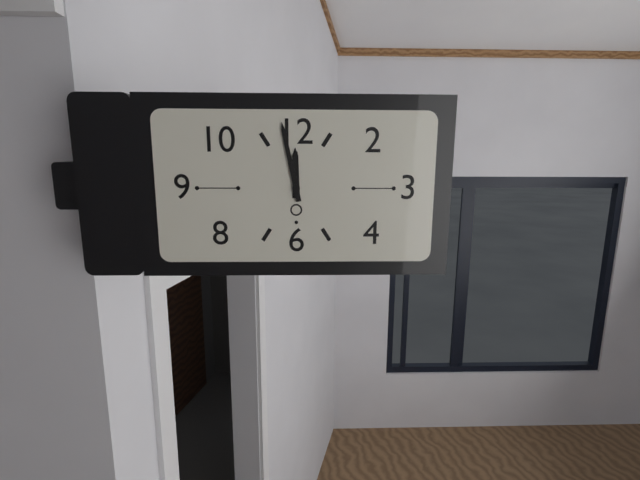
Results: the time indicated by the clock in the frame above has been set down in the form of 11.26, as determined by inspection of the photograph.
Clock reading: 11.58
